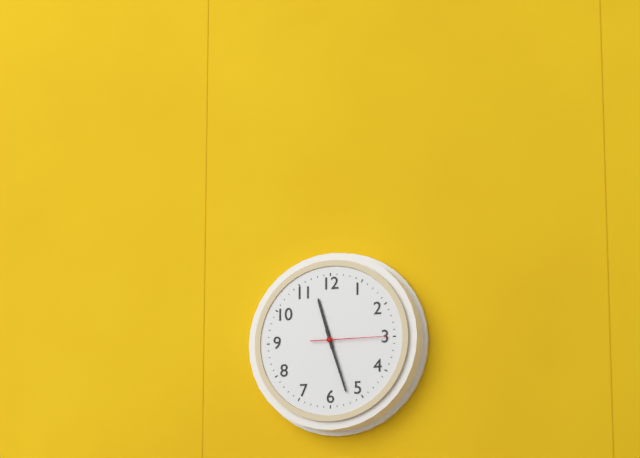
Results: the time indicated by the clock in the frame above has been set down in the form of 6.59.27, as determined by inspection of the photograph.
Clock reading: 11.27.15
